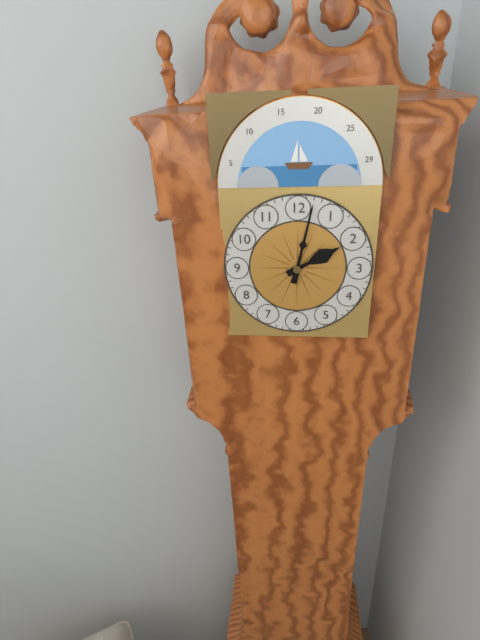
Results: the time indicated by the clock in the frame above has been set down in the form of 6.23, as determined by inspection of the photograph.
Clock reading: 2.02
